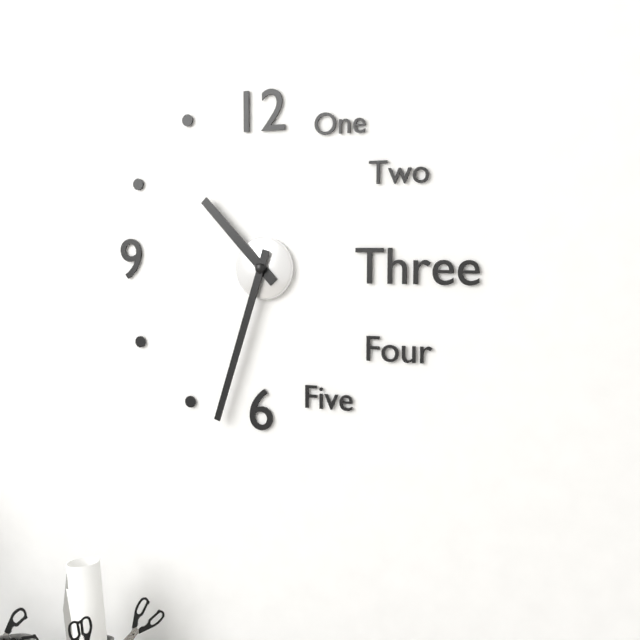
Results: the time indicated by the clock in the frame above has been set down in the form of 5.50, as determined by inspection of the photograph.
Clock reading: 10.33
